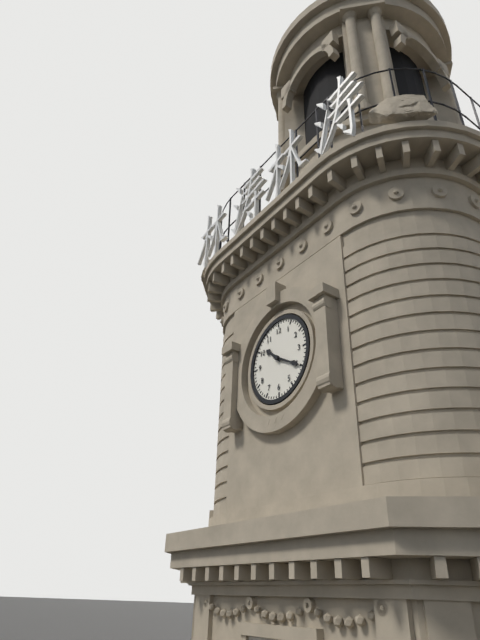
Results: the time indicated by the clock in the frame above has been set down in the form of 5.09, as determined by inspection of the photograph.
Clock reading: 10.20
